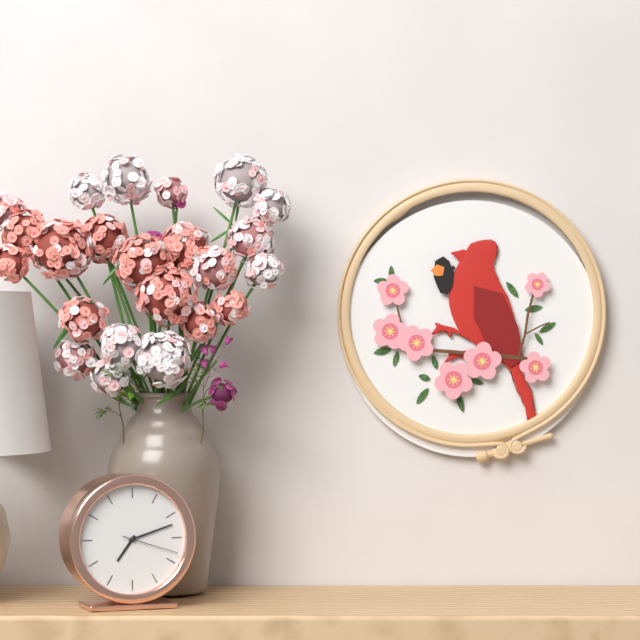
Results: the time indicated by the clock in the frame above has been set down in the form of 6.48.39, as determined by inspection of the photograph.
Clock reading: 7.12.18
